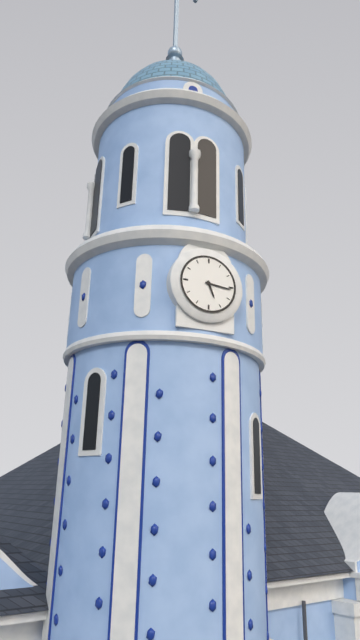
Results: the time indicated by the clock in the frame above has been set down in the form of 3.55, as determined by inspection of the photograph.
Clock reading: 5.16
